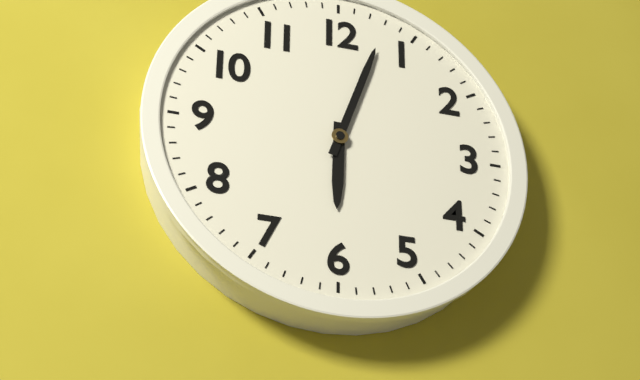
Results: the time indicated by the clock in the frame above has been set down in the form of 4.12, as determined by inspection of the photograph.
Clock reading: 6.03
